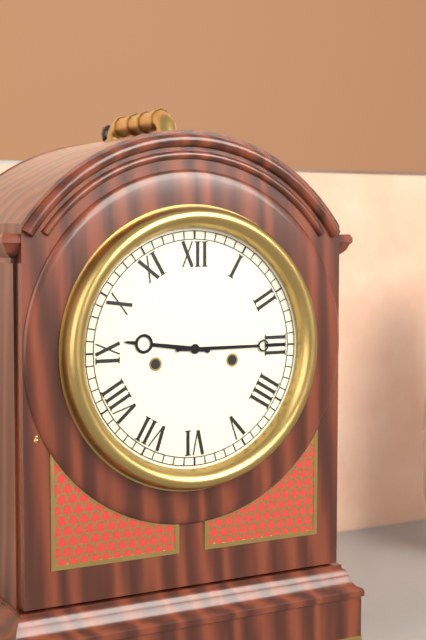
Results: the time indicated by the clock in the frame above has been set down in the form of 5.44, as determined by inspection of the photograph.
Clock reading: 9.15
